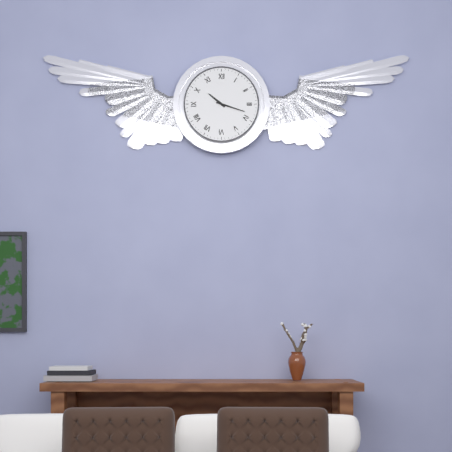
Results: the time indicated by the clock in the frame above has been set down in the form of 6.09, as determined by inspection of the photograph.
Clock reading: 10.18
